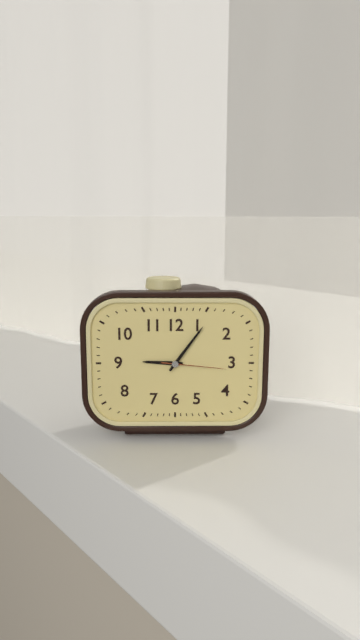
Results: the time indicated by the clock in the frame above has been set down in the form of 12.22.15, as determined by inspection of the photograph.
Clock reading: 9.06.16
